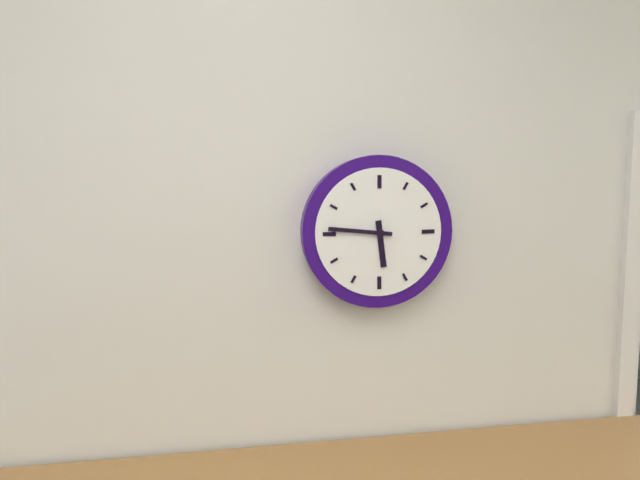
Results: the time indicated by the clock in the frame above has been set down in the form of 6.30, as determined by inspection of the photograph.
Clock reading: 5.46
